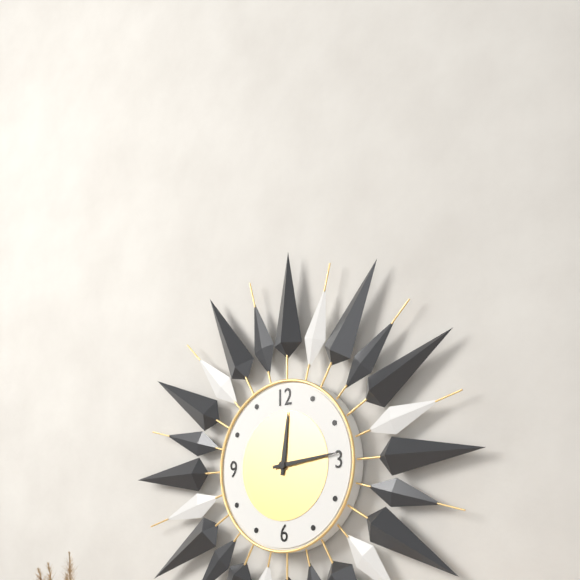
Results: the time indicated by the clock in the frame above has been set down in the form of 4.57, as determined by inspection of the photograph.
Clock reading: 12.14
